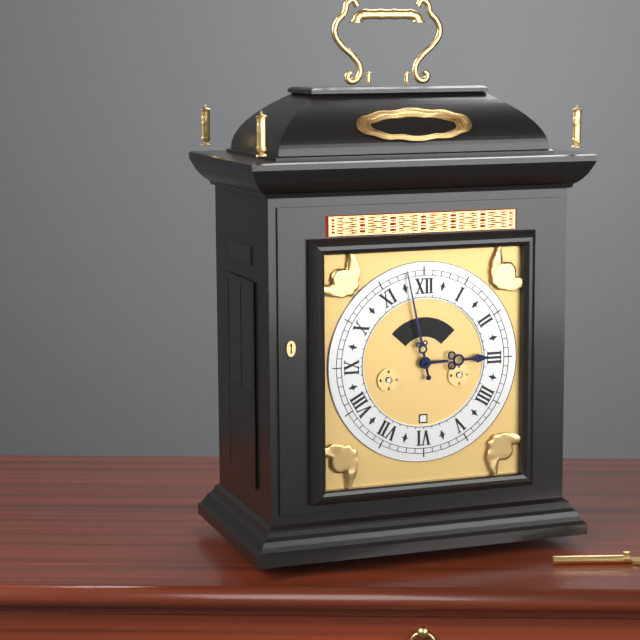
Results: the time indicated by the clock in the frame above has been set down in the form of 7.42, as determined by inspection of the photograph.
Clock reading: 2.58
